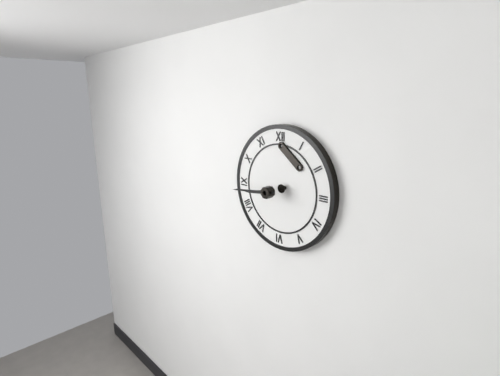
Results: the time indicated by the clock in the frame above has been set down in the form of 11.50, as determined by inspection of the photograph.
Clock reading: 8.44
